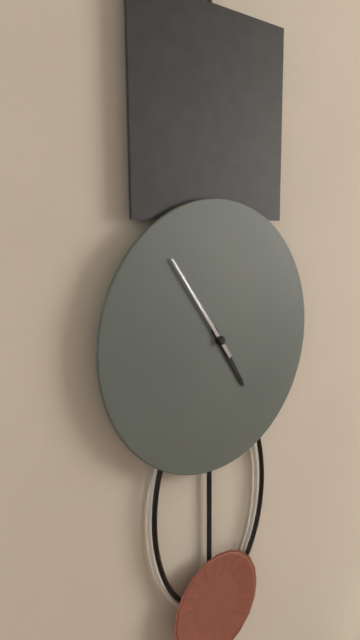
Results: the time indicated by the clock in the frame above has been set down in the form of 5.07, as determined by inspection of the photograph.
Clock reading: 4.54
